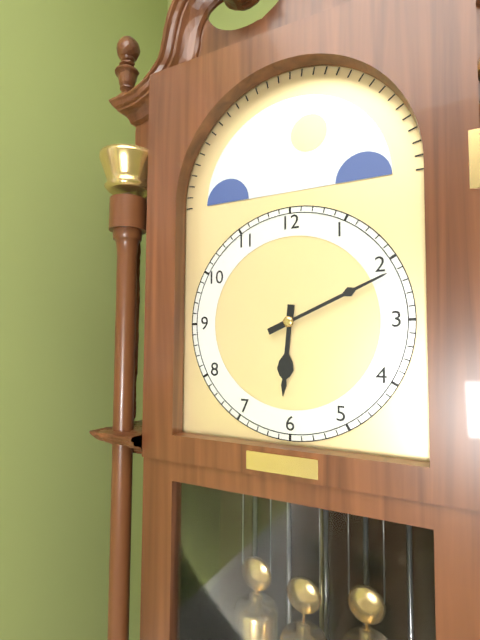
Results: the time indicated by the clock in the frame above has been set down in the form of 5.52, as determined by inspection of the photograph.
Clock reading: 6.11
